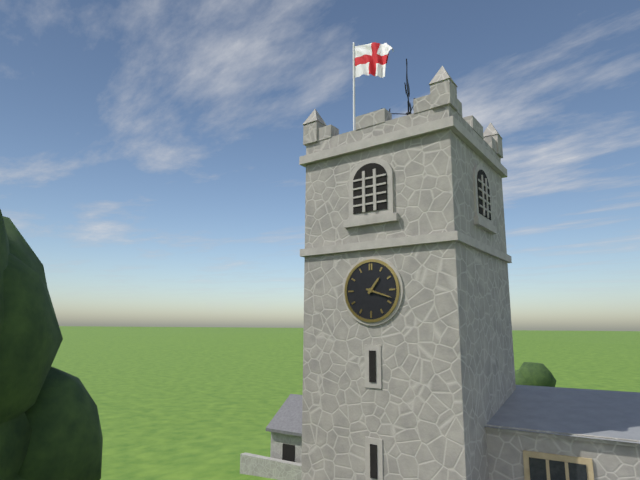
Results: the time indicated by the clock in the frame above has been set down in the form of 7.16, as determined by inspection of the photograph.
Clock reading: 1.18
